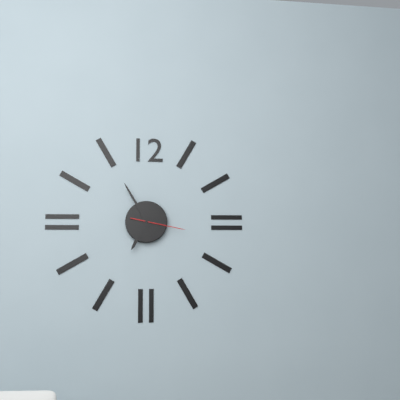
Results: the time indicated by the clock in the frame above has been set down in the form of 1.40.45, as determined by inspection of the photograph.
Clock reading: 6.55.17
